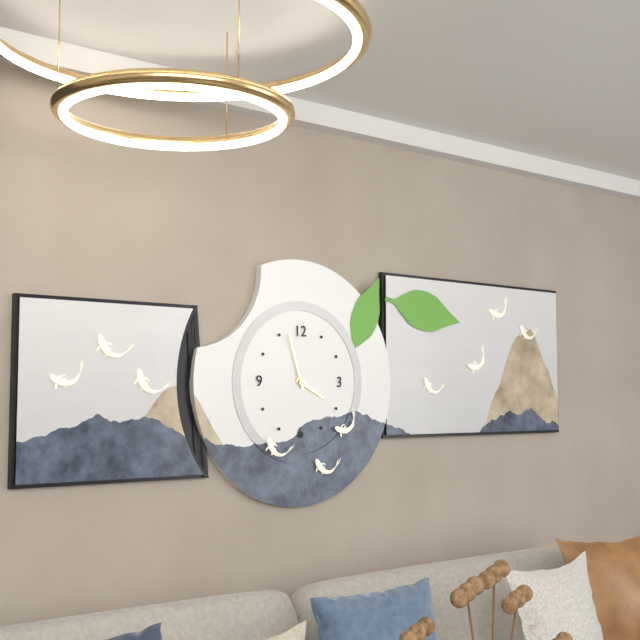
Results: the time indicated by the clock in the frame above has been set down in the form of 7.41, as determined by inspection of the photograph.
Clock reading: 3.57
